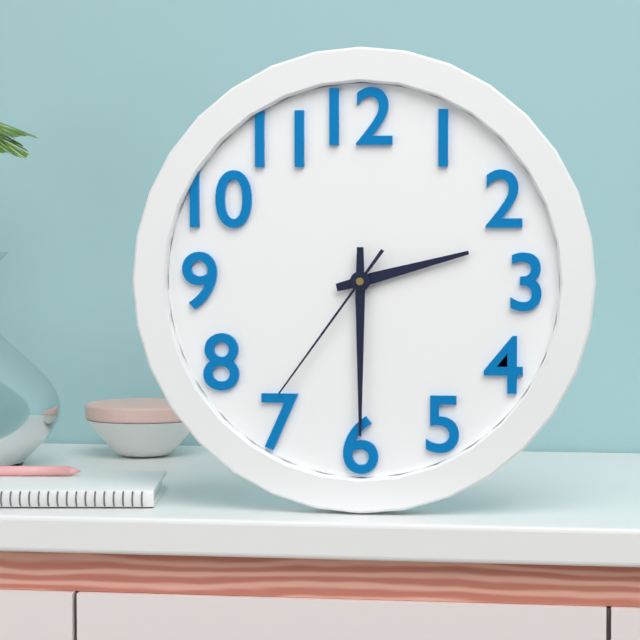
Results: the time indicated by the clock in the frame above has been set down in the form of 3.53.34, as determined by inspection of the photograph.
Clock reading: 2.30.36
